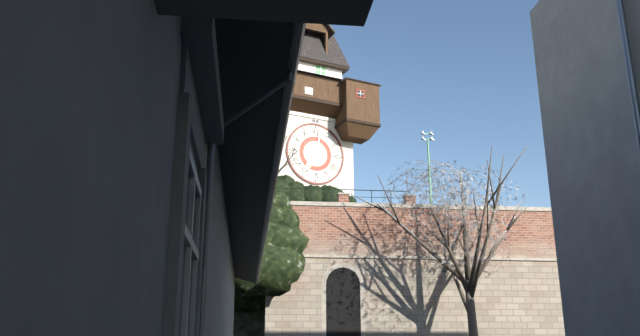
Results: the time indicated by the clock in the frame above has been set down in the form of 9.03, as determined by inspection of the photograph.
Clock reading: 7.02
